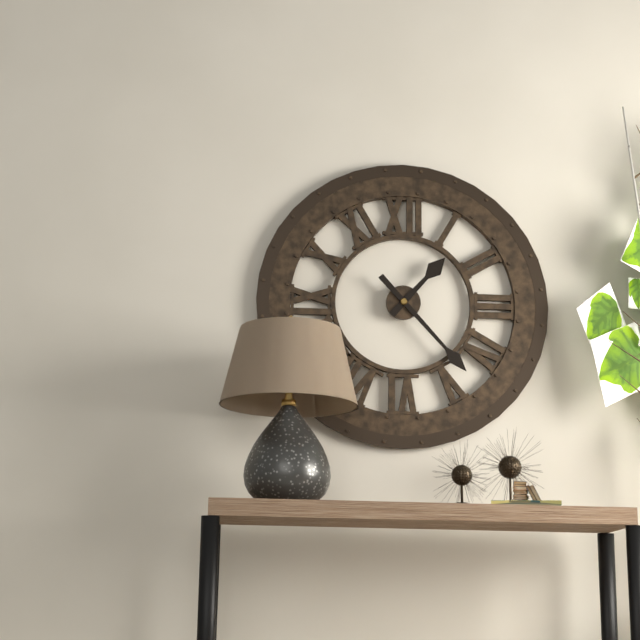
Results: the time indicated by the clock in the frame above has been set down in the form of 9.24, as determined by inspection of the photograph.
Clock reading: 1.23
